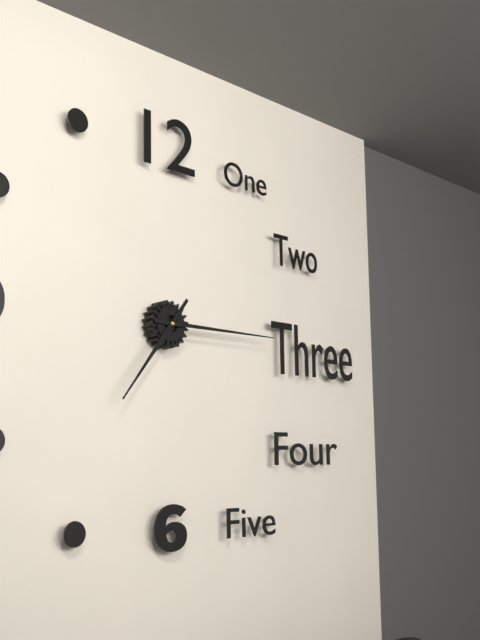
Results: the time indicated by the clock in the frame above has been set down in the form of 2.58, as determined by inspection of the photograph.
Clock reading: 7.15
